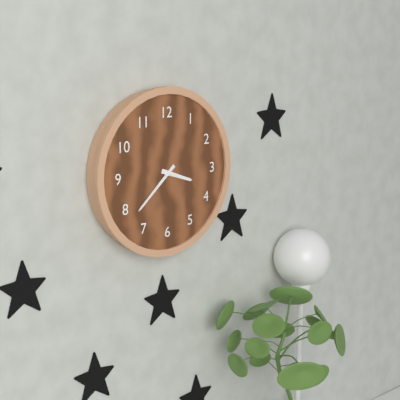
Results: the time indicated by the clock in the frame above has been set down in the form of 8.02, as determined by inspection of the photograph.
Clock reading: 3.38
